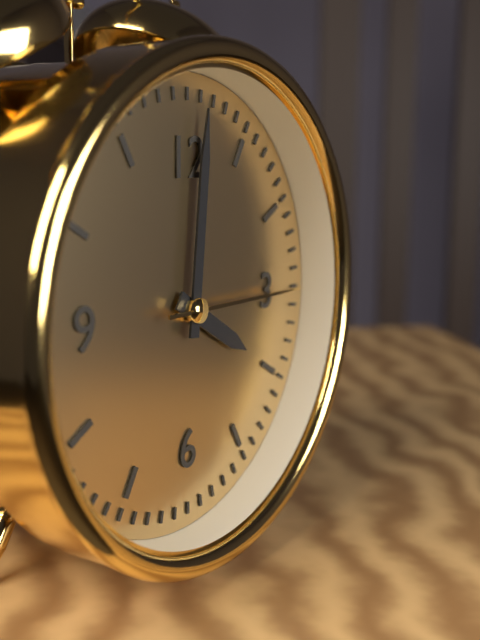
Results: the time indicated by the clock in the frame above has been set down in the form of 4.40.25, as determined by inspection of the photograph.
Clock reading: 4.01.15
